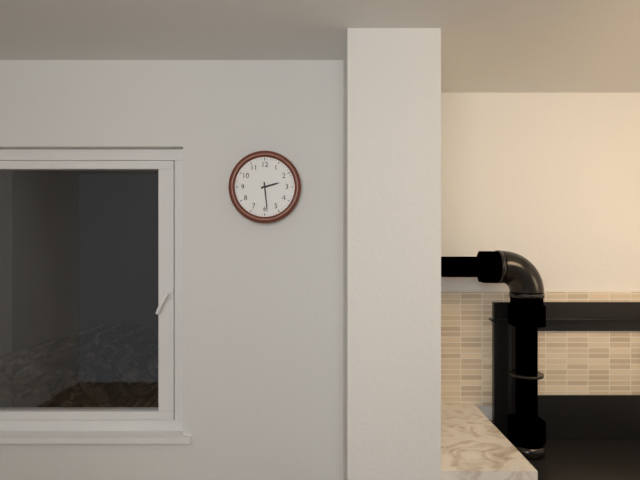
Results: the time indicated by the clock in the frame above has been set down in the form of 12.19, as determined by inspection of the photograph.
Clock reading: 2.29
